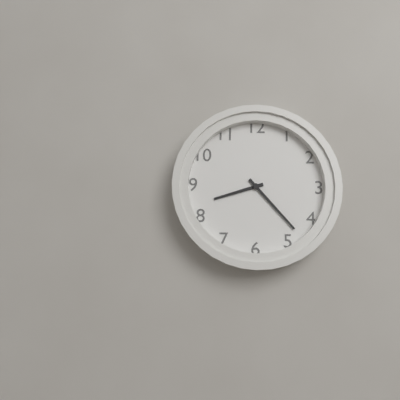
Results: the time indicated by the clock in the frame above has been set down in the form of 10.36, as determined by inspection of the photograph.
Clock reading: 8.23
